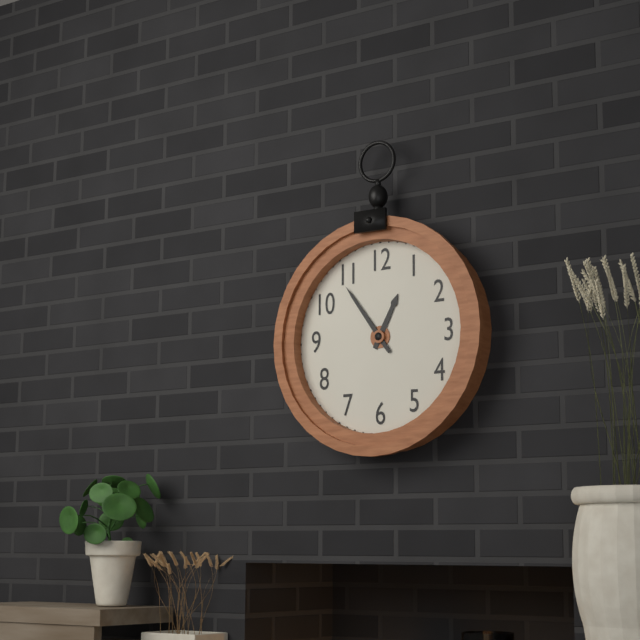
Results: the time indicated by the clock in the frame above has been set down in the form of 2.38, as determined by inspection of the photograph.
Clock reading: 12.54
